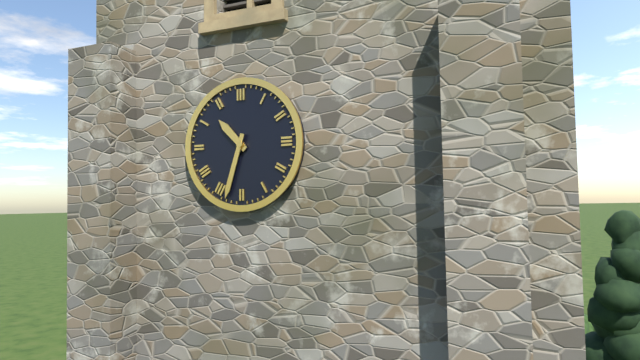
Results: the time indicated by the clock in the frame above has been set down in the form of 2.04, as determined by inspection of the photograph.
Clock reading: 10.33
